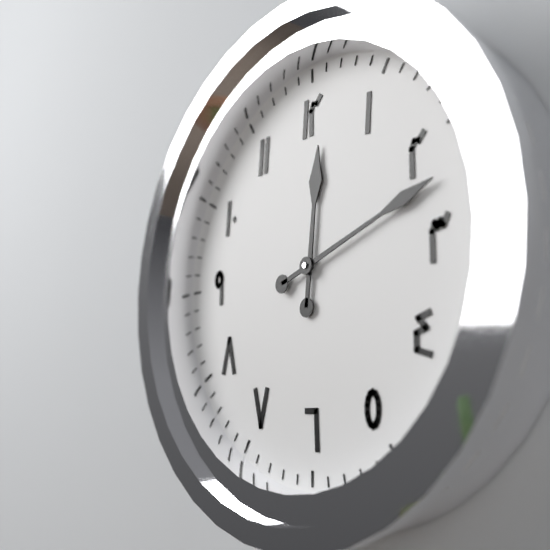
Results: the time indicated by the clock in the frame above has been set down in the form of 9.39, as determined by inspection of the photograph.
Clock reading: 12.12
